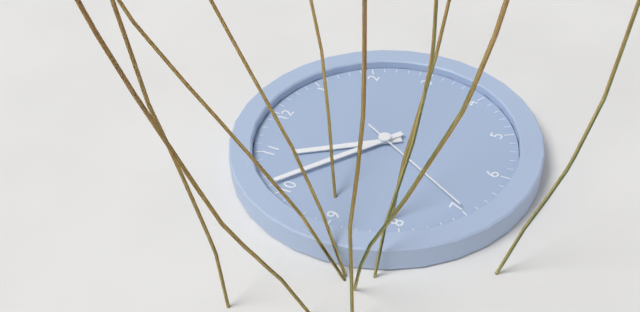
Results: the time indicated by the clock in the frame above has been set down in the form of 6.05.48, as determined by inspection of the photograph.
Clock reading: 10.51.35
